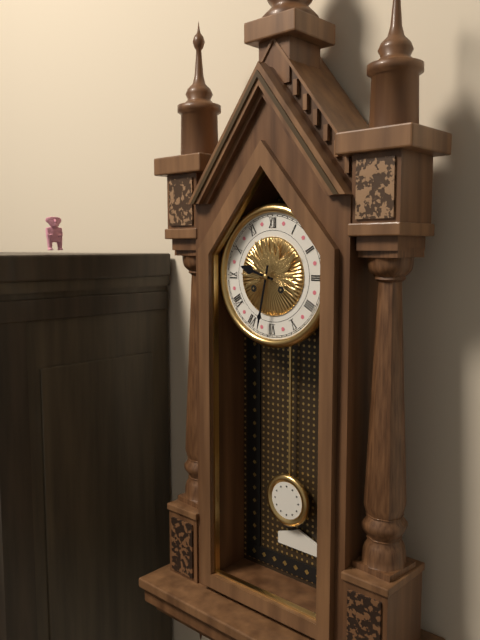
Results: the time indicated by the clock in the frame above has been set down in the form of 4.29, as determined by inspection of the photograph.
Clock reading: 9.32
